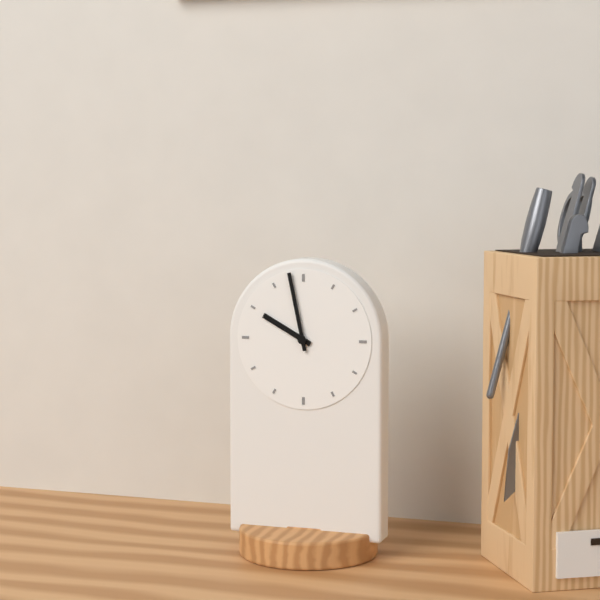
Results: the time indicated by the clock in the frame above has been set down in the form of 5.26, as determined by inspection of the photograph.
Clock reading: 9.58
